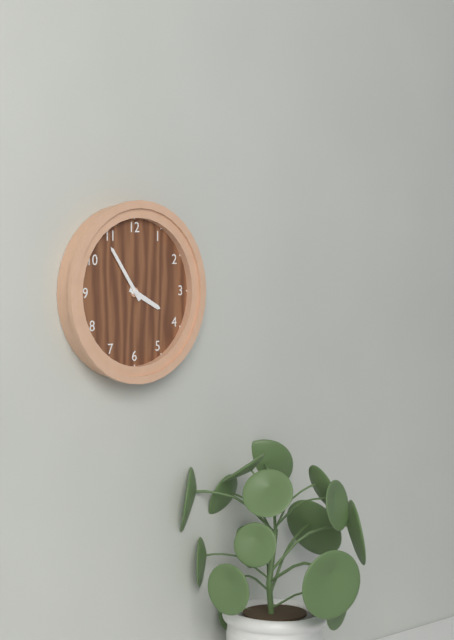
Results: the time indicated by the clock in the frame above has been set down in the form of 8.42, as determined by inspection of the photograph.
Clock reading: 3.54
